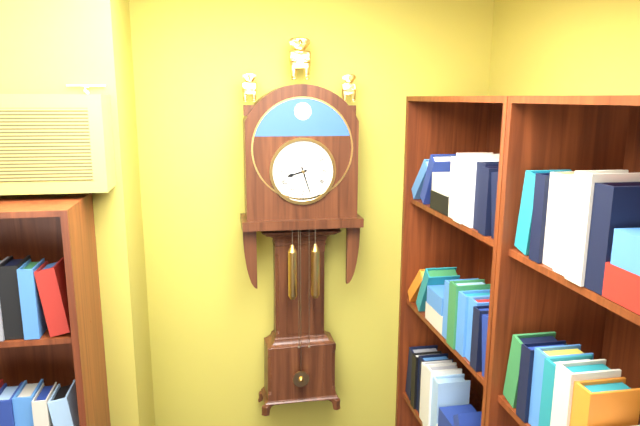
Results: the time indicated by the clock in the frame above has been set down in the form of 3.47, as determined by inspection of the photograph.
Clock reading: 8.27
